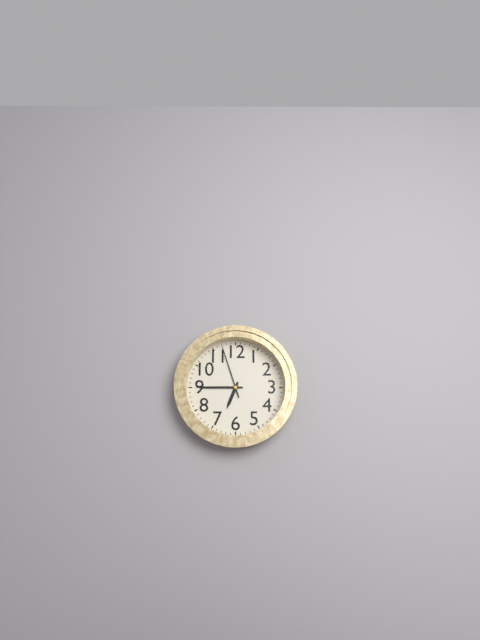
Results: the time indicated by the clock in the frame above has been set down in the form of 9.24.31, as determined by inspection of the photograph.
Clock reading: 6.45.57
